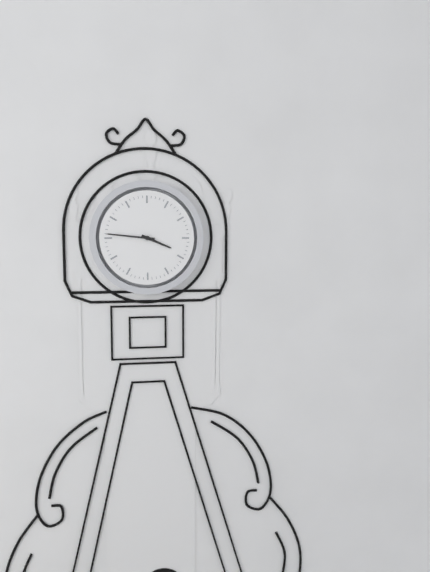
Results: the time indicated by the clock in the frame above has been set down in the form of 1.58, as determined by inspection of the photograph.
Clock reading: 3.46
